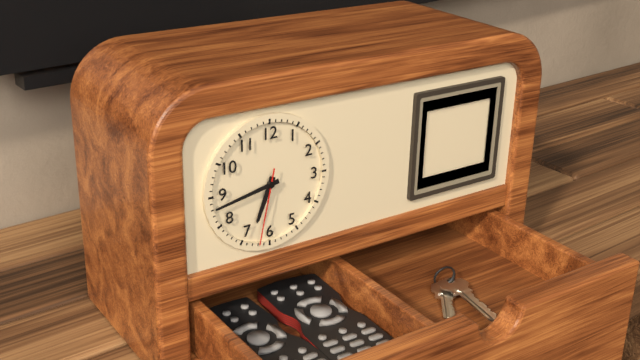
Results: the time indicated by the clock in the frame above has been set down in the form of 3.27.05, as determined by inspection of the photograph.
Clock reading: 6.43.32
